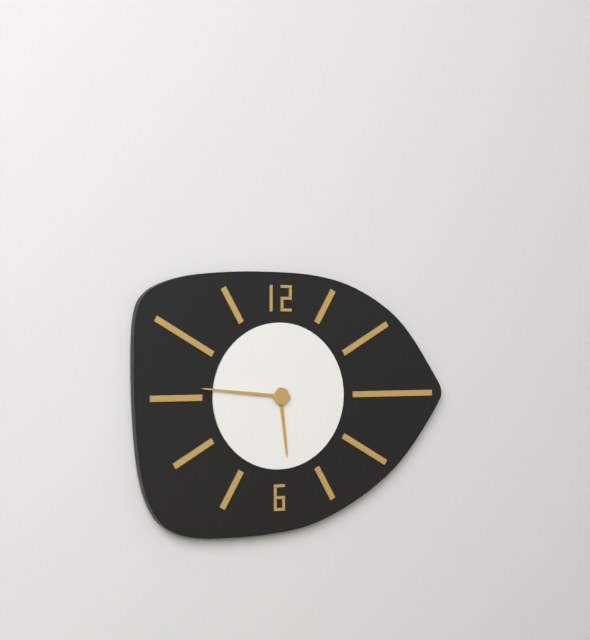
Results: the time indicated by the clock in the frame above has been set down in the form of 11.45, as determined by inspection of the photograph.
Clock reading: 5.46
